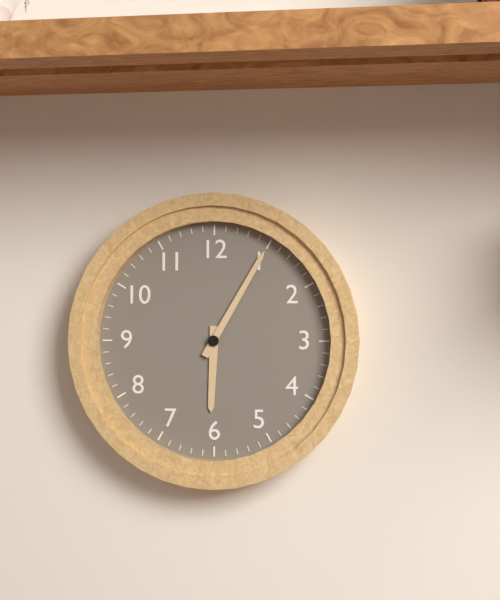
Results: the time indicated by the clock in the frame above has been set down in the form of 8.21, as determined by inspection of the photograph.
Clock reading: 6.05
